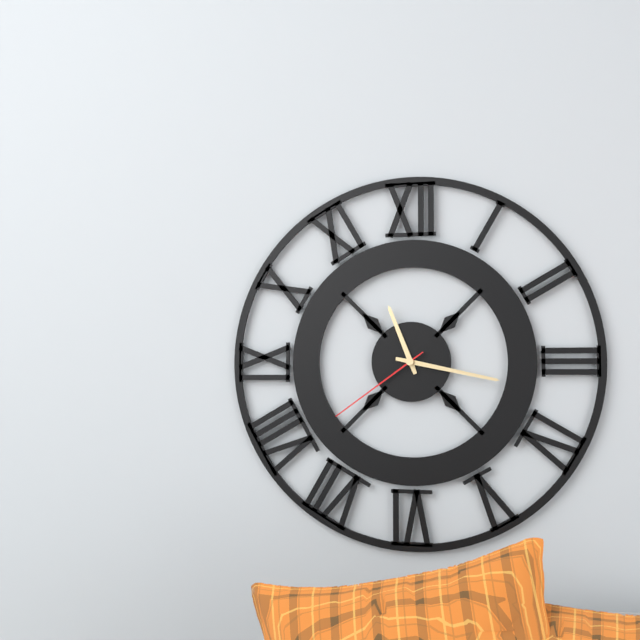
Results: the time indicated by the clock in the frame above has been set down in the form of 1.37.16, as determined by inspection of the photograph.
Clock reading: 11.17.39
